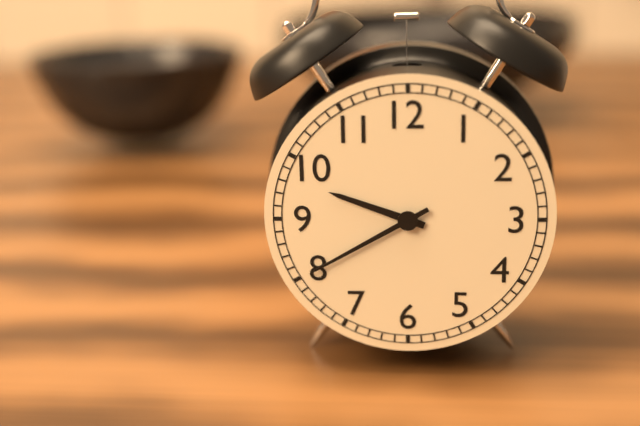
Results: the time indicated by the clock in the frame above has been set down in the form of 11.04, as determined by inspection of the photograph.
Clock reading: 9.40
